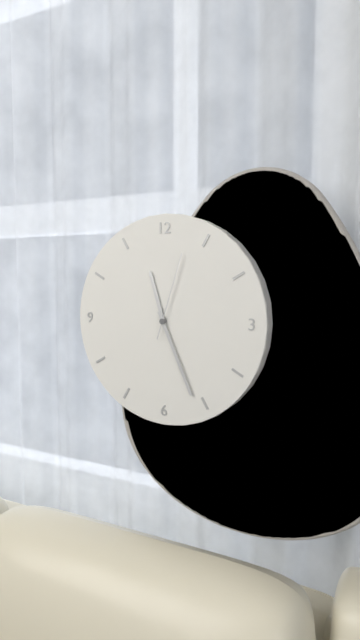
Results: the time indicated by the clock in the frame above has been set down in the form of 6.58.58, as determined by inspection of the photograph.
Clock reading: 11.26.03
